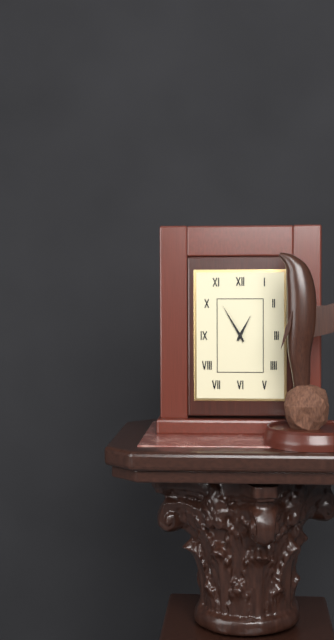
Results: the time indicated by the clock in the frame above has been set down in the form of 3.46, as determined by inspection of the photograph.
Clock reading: 12.55
